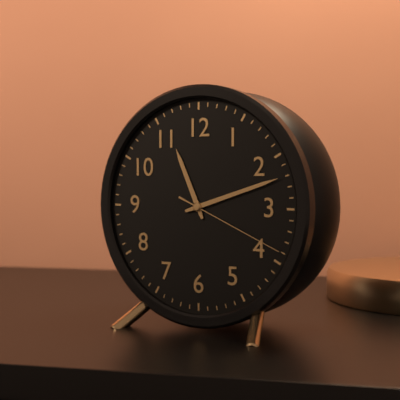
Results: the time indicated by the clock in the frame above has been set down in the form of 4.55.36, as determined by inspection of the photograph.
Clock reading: 11.12.19
